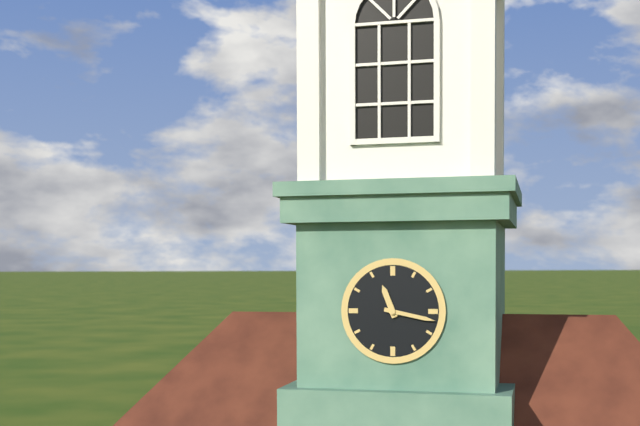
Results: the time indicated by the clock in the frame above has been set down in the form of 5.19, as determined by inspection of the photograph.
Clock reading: 11.17
